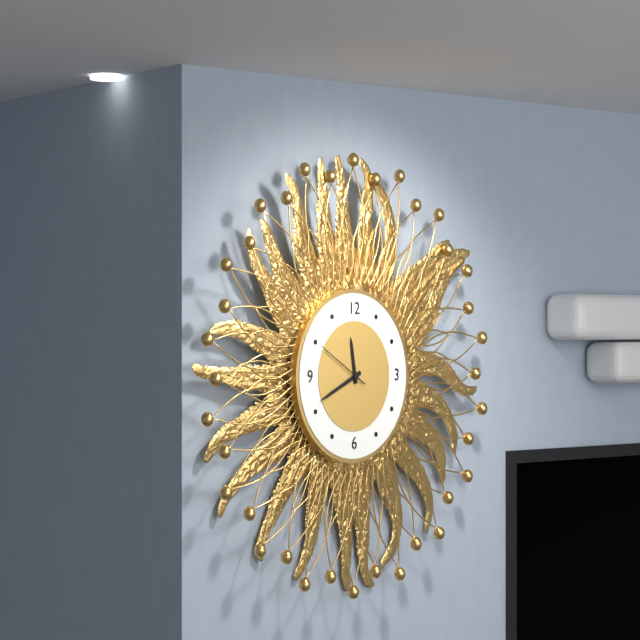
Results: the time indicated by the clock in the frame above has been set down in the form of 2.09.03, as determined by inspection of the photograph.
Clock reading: 11.41.50
